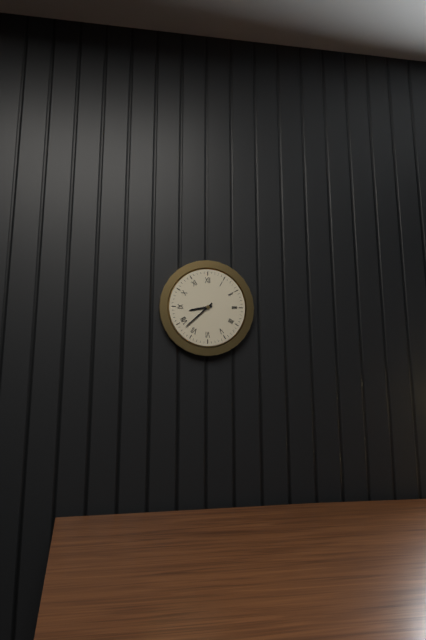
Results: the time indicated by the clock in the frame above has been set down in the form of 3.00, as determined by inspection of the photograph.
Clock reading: 8.38
